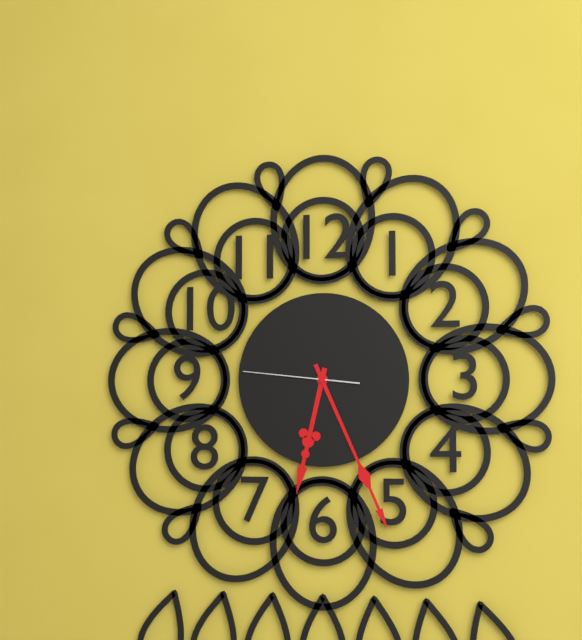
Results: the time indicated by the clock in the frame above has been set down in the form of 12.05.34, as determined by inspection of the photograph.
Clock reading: 6.26.46
